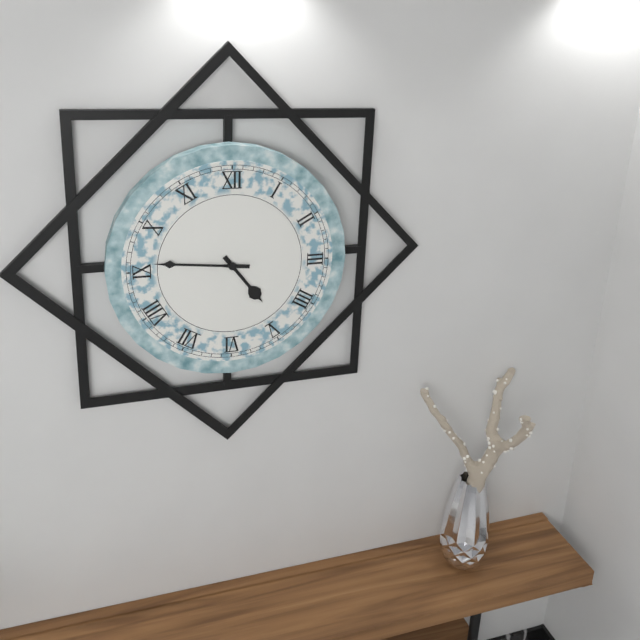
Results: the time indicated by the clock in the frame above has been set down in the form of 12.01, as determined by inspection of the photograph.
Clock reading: 4.46
